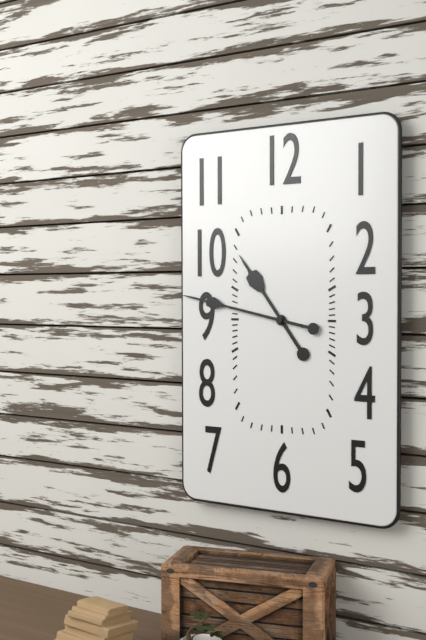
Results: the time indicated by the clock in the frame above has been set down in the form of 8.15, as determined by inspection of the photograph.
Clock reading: 10.47
